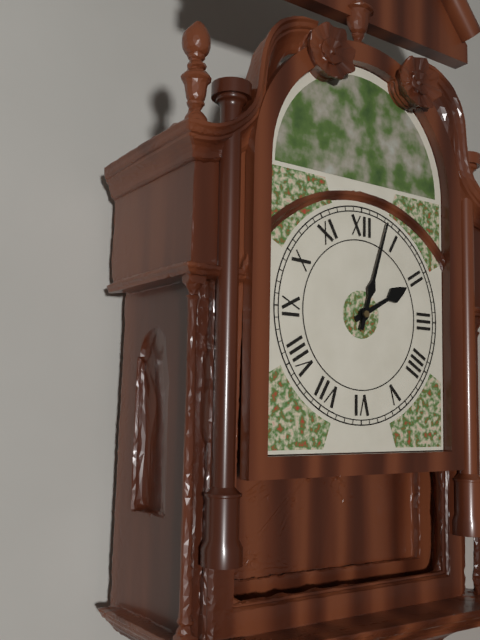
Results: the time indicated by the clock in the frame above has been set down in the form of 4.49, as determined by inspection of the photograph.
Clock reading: 2.03
